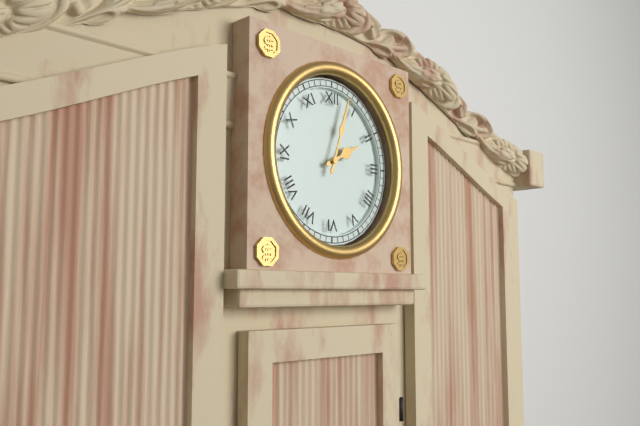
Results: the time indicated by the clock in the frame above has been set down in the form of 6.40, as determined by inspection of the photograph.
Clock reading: 2.03
